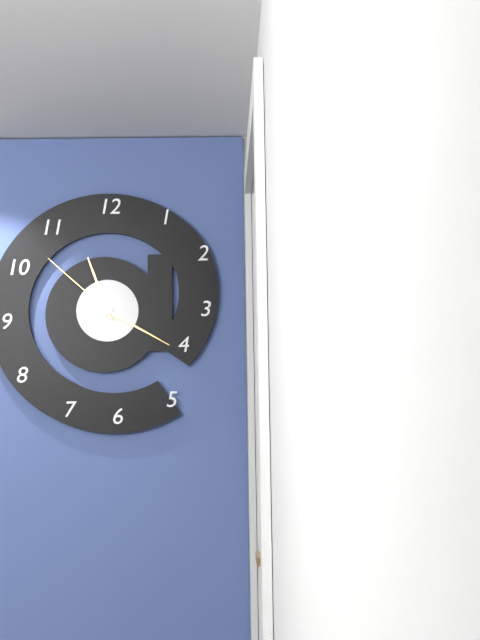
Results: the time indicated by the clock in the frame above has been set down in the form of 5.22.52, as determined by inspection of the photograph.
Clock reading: 11.20.52
